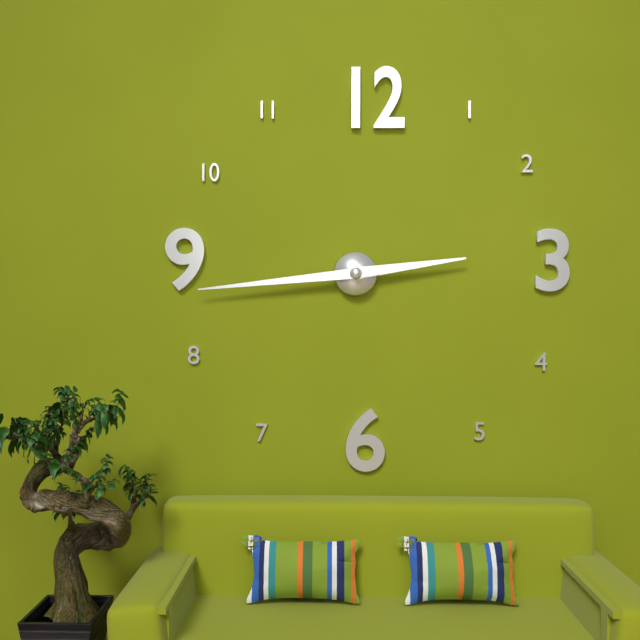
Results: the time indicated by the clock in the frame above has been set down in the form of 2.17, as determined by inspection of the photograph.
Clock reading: 2.44
